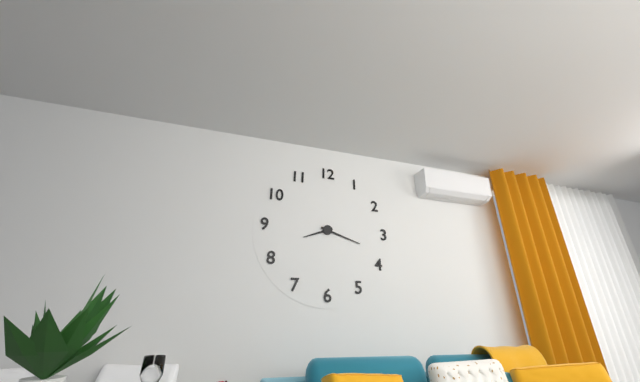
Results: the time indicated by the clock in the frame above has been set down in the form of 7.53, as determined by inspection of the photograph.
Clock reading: 8.18
